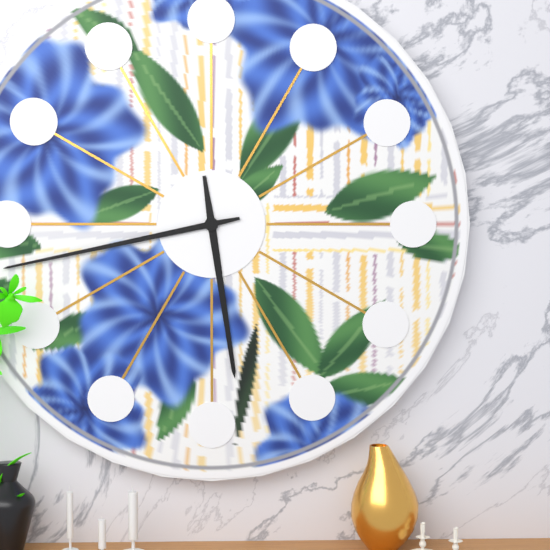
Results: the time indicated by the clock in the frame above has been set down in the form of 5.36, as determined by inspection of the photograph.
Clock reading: 5.43
